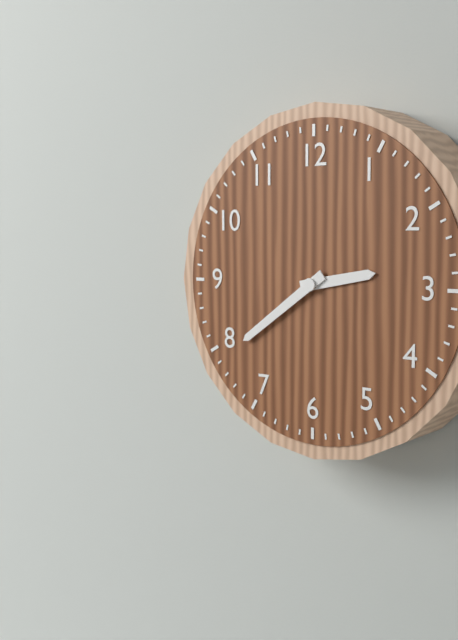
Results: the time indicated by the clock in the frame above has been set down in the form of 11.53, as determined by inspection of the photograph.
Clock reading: 2.39
